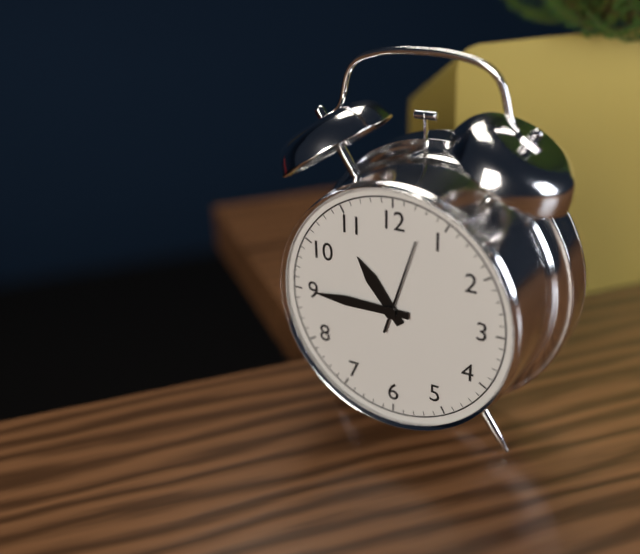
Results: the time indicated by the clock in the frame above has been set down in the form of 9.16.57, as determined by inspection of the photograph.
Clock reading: 10.45.03
